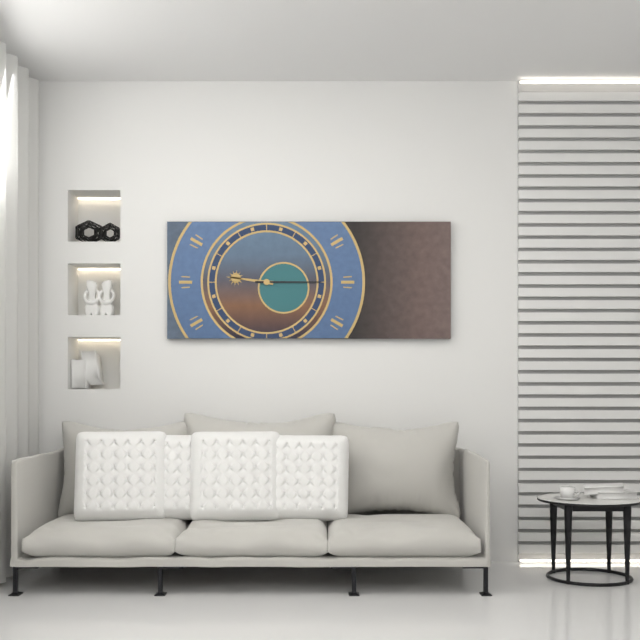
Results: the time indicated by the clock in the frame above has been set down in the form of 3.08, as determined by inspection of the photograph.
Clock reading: 9.15
